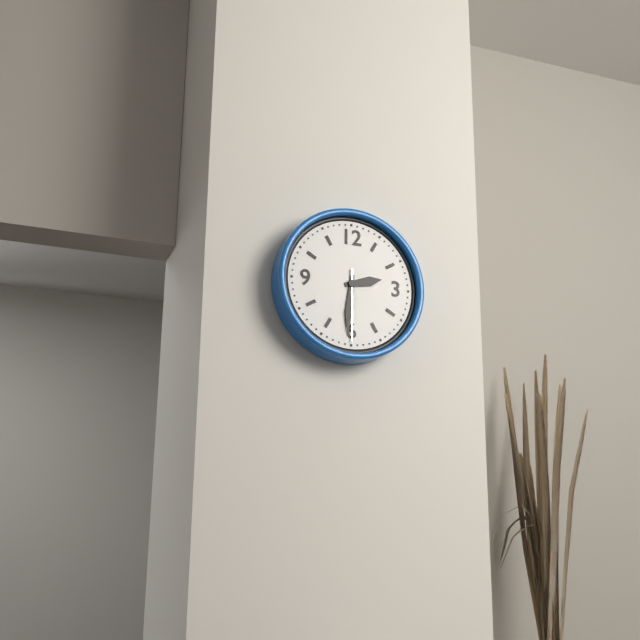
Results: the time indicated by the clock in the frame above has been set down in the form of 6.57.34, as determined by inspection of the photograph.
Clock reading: 2.31.30
